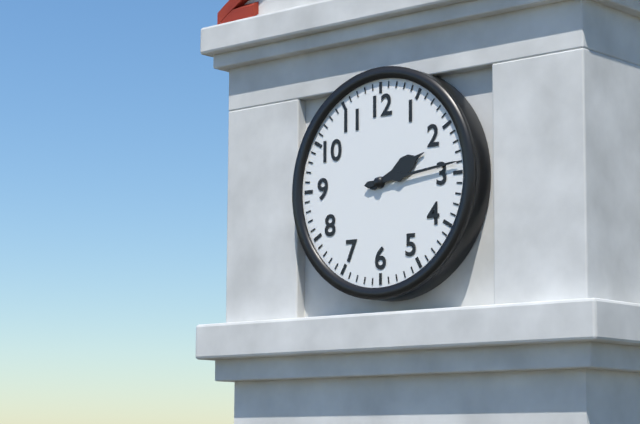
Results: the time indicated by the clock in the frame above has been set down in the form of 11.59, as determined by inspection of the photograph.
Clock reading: 2.14
